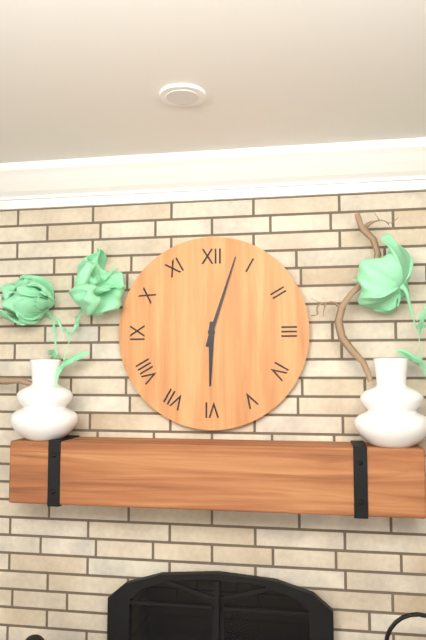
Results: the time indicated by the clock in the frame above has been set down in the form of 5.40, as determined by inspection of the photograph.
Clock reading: 6.03
